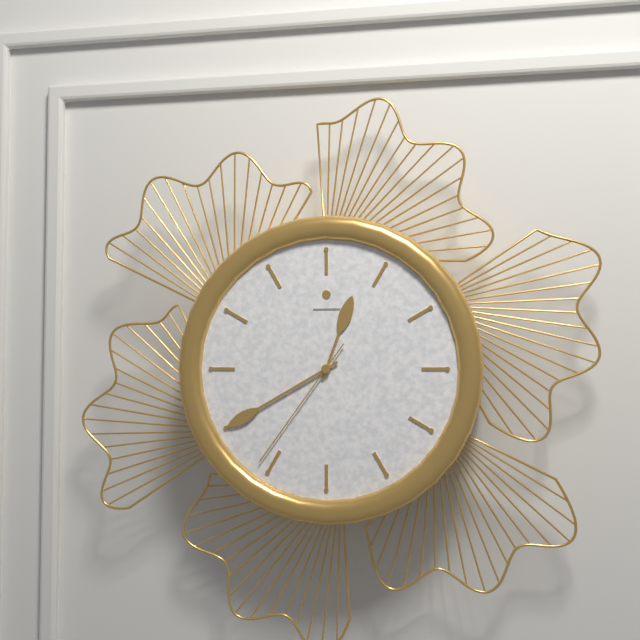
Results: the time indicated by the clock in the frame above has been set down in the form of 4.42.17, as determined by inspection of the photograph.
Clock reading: 12.40.36
